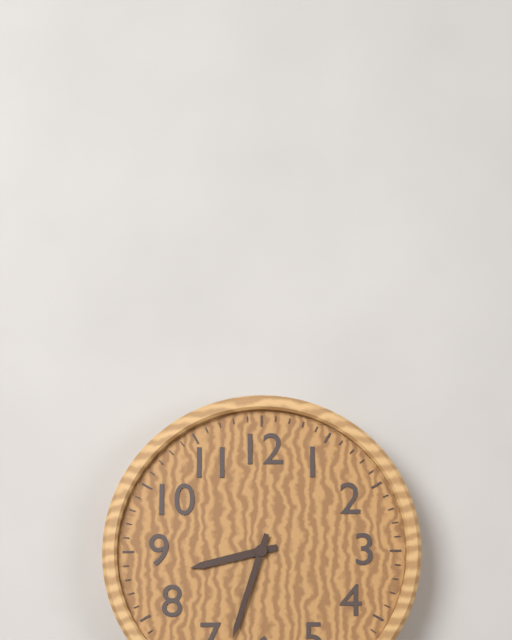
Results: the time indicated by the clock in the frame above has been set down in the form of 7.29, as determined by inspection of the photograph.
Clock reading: 8.33
